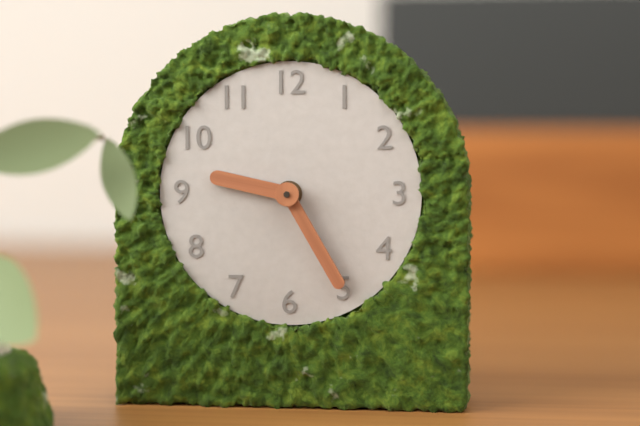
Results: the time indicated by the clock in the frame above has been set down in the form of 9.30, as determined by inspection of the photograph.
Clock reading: 9.25
